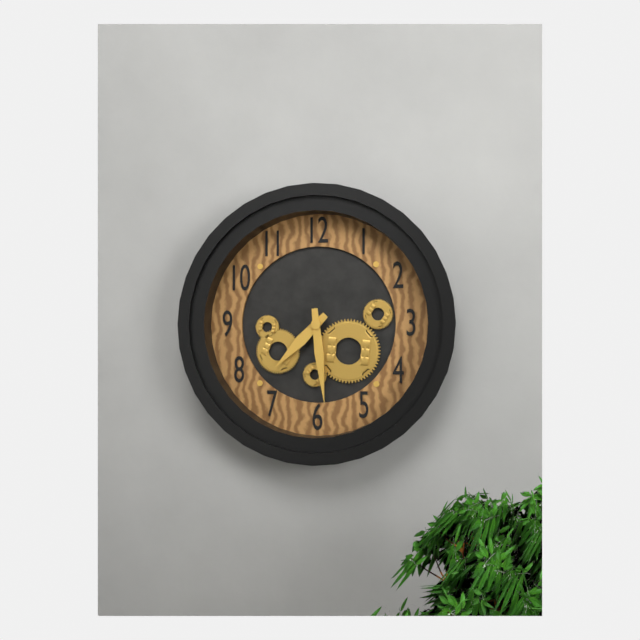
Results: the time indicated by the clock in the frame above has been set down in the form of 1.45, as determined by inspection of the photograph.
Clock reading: 7.29
